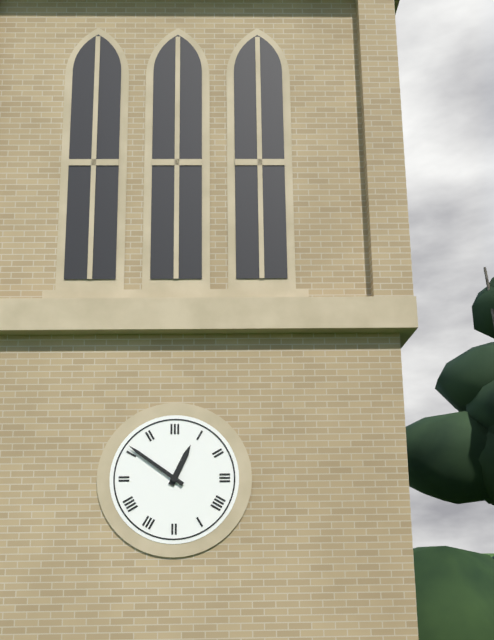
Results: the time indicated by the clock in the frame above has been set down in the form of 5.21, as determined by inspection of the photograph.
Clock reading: 12.51
